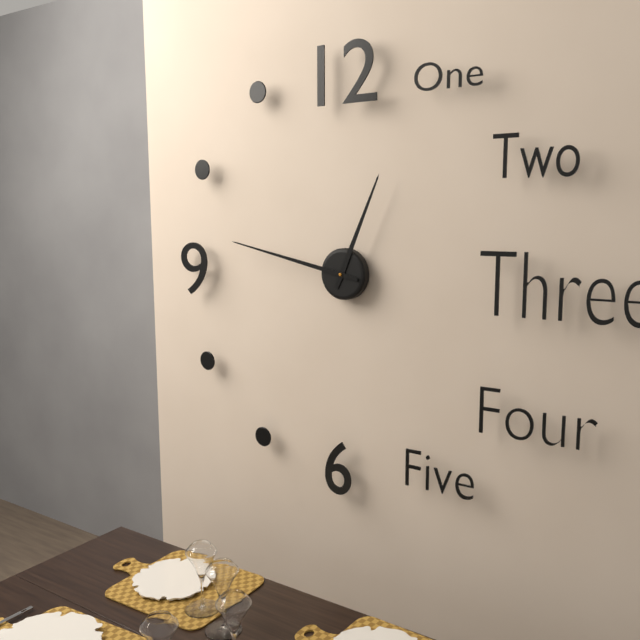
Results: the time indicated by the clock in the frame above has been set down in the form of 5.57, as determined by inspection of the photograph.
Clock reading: 12.47
